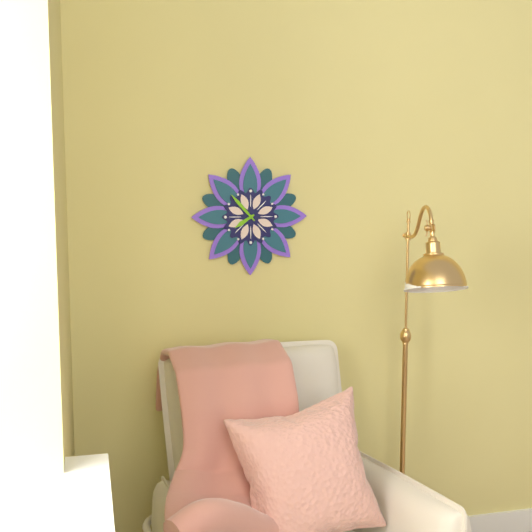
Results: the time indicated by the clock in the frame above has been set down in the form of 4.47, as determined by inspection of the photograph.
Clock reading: 7.53
